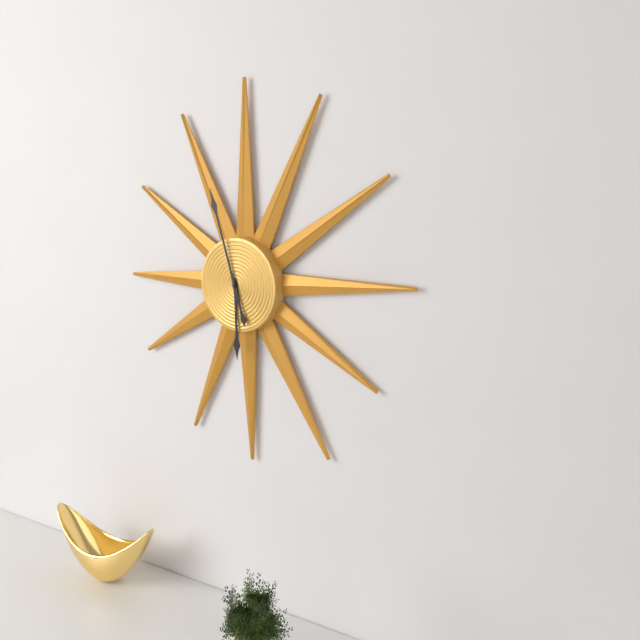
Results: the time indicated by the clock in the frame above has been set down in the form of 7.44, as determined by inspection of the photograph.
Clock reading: 5.57
